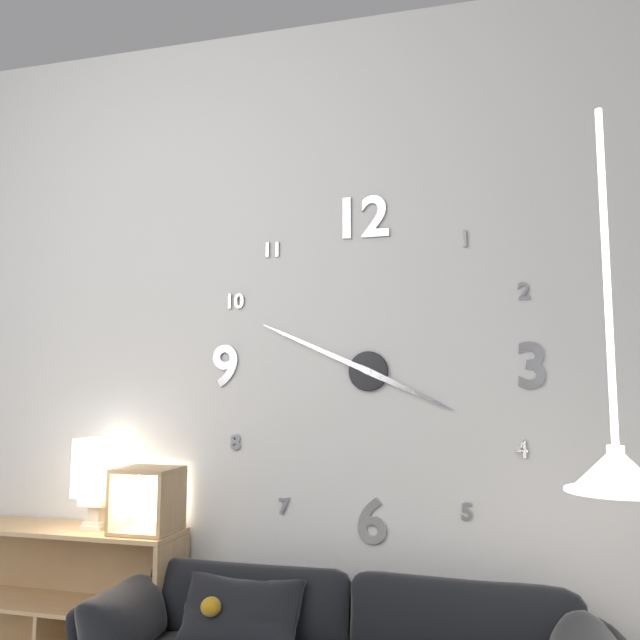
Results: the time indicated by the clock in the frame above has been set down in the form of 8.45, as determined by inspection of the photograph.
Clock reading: 3.49
